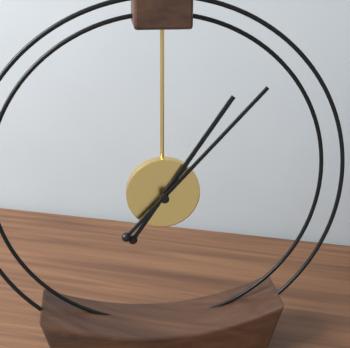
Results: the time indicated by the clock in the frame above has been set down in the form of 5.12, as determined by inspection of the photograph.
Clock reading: 1.07
